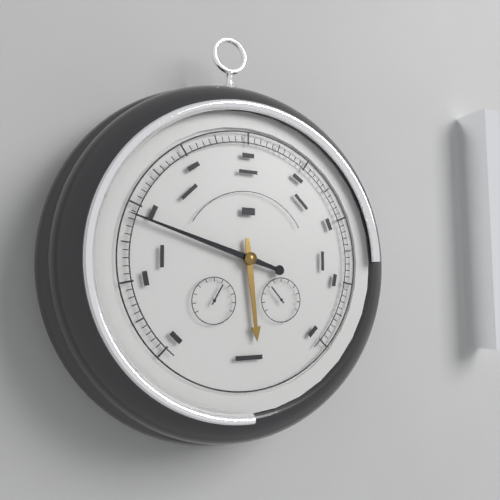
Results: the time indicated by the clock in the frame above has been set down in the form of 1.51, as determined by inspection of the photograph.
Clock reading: 5.48
